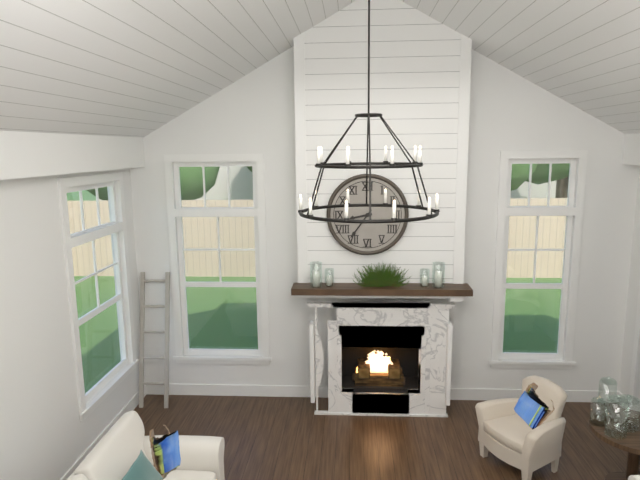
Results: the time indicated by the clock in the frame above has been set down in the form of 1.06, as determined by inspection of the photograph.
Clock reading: 8.36
